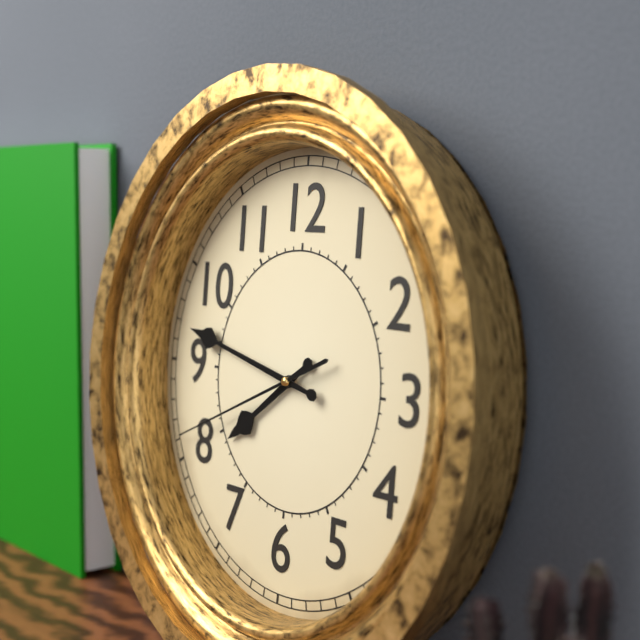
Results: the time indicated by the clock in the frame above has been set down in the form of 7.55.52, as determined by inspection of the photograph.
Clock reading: 7.47.41
